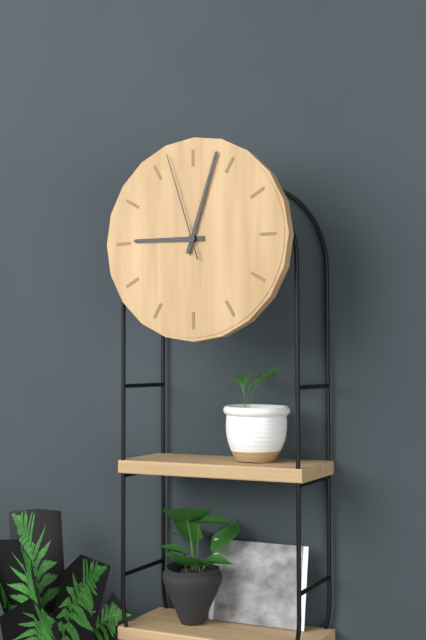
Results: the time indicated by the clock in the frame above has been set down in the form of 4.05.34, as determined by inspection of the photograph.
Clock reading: 9.03.57
